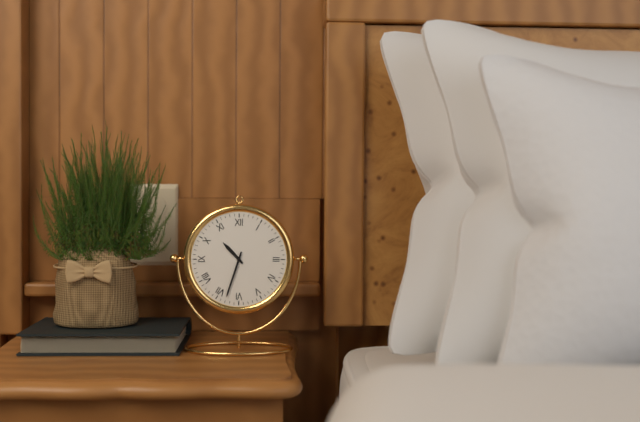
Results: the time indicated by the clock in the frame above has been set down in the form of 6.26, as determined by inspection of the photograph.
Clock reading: 10.33
